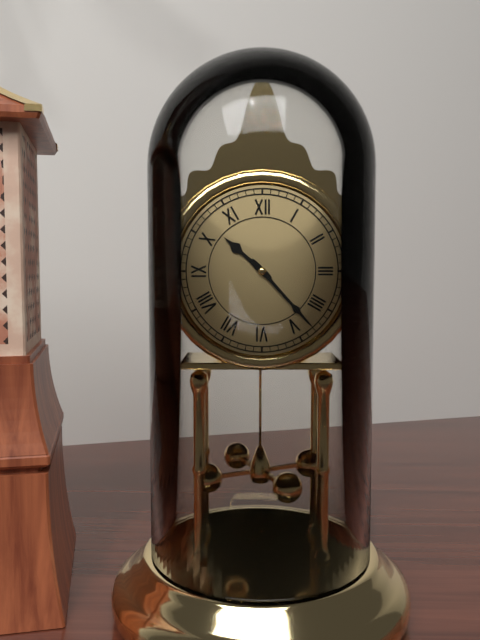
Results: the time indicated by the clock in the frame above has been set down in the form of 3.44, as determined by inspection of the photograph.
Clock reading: 10.23
